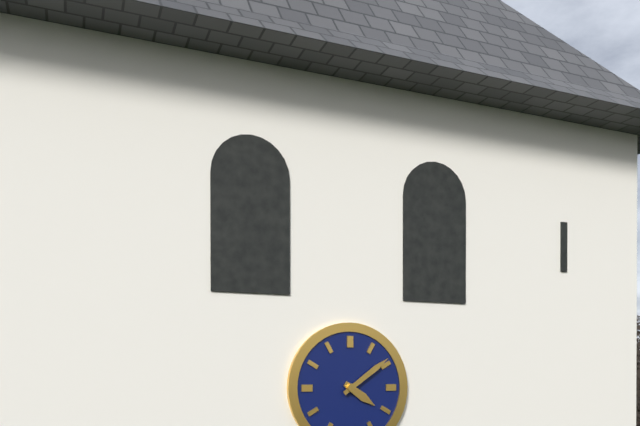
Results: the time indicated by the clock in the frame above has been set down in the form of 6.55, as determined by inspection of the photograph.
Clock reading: 4.09
